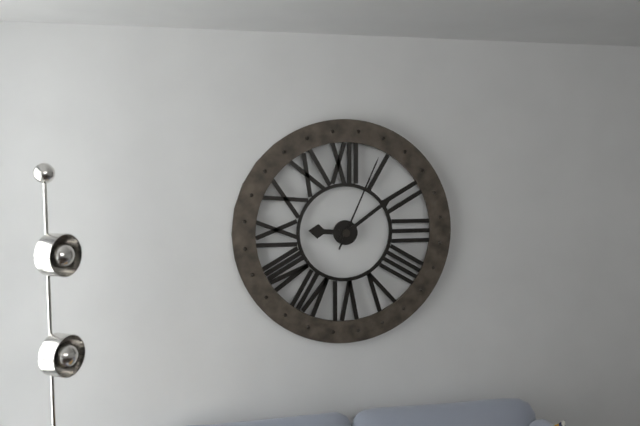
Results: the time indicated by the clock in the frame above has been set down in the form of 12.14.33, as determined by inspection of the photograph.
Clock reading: 9.09.04
